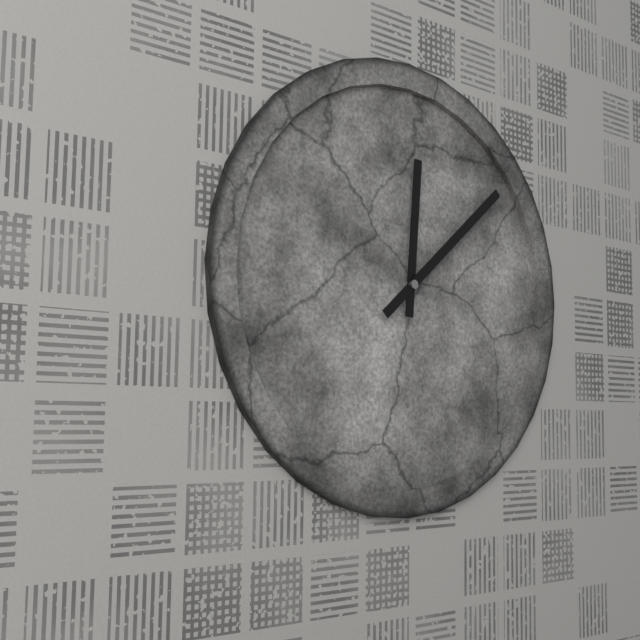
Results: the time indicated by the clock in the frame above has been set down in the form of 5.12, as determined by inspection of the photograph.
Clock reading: 12.08
